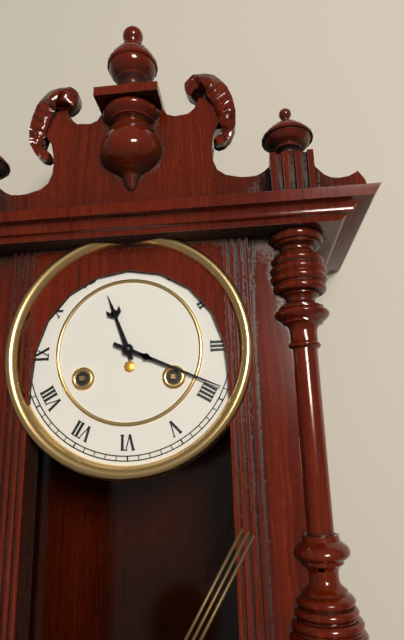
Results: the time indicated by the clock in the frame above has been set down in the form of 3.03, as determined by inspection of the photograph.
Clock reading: 11.19
